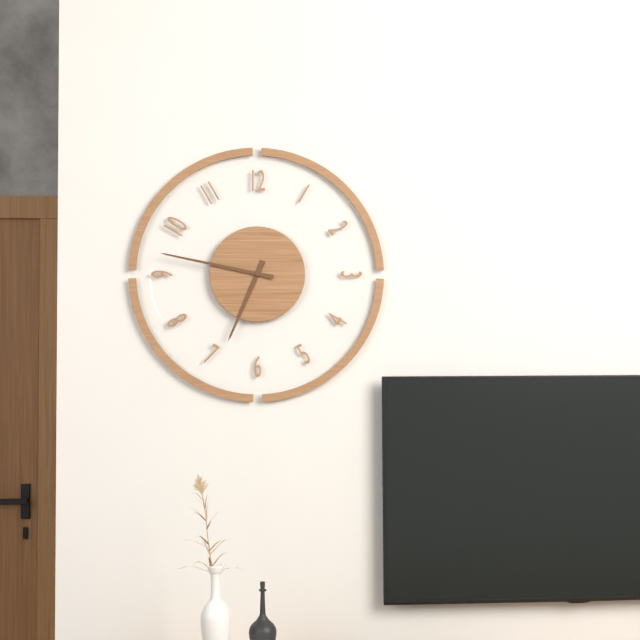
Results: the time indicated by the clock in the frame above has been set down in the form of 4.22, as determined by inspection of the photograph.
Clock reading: 6.47
